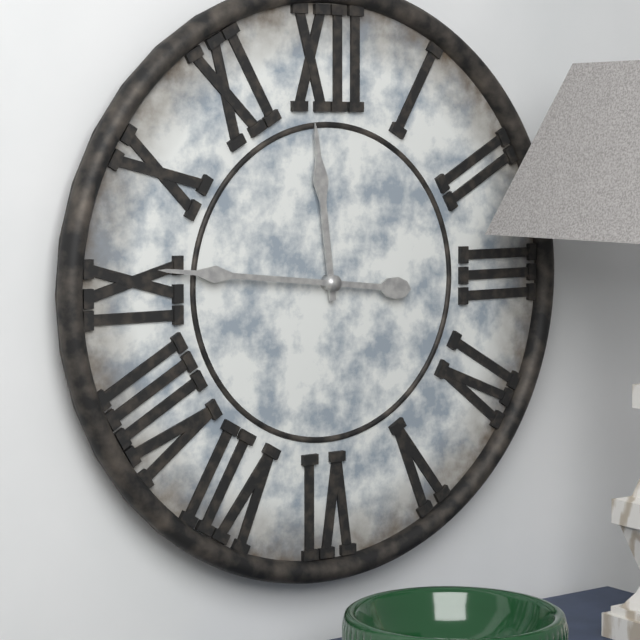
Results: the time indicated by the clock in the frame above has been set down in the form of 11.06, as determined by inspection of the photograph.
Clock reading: 11.46
